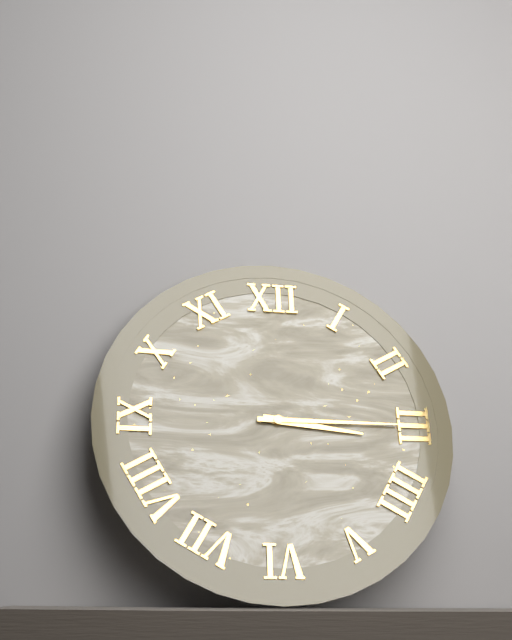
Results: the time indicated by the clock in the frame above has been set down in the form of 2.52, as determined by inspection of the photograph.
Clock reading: 3.15
